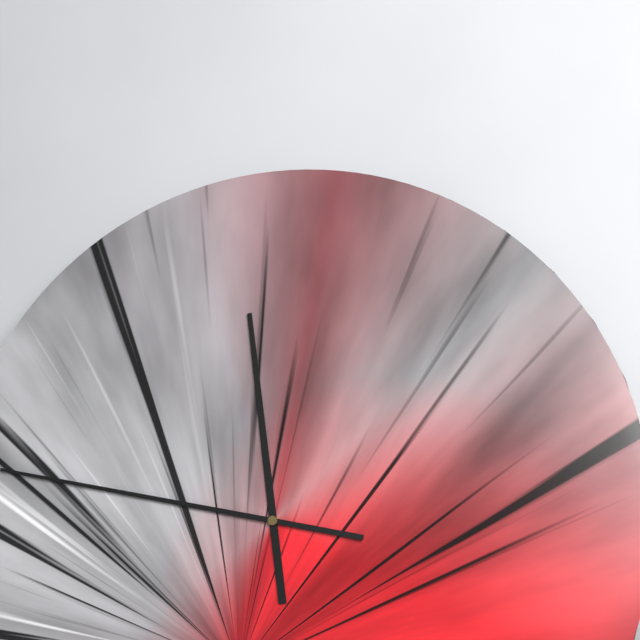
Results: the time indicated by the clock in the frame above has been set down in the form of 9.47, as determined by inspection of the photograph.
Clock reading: 11.47
